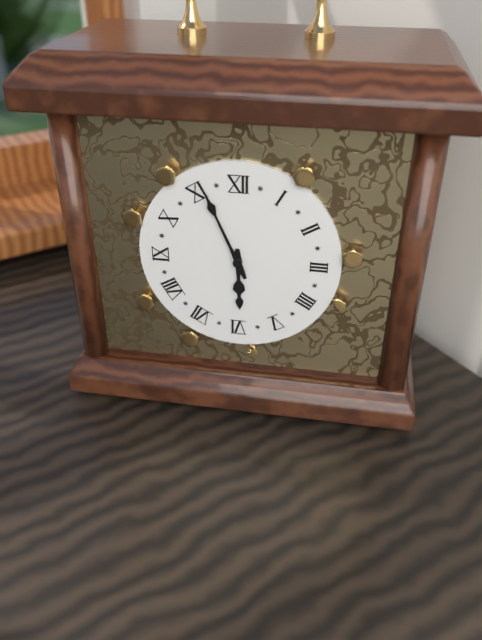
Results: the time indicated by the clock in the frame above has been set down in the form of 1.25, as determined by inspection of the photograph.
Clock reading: 5.56
